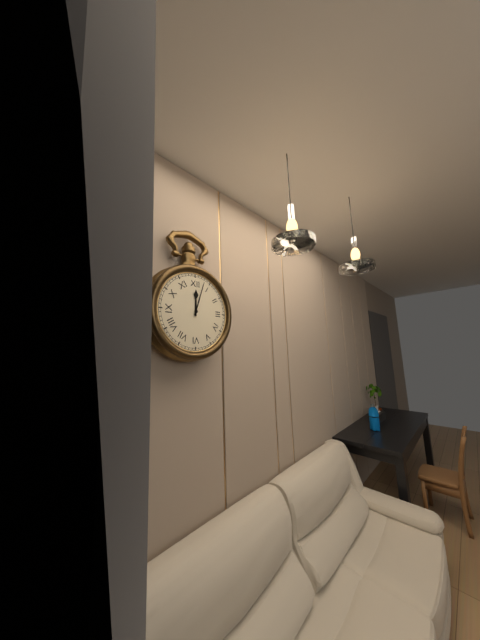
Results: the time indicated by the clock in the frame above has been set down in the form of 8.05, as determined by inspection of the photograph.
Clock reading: 12.03
